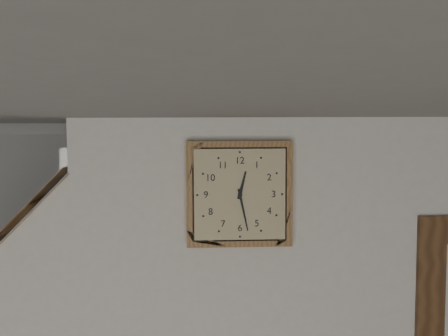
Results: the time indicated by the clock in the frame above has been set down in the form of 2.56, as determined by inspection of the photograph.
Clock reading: 12.28
